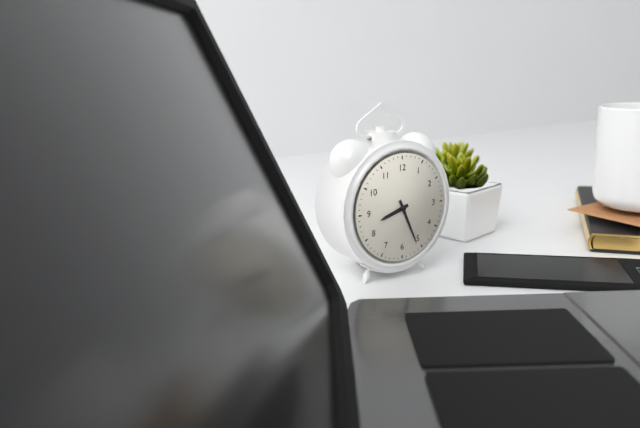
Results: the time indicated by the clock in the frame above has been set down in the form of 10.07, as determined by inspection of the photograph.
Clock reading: 8.26
